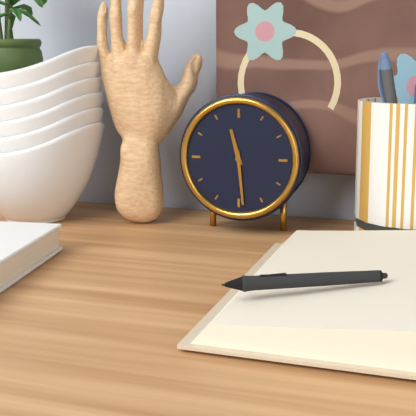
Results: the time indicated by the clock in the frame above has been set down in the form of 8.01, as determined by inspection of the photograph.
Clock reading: 11.29
